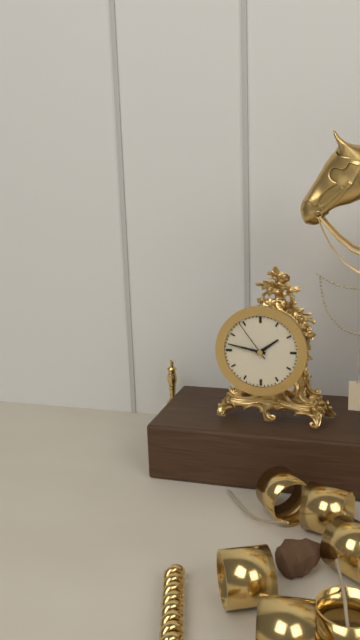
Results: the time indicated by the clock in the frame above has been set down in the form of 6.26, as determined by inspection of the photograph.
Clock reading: 1.47
